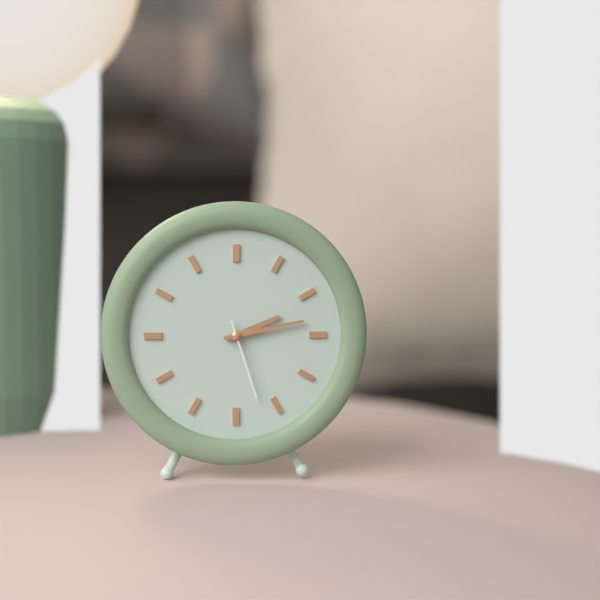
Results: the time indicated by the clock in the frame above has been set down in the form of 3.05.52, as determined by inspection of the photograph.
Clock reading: 2.13.27
